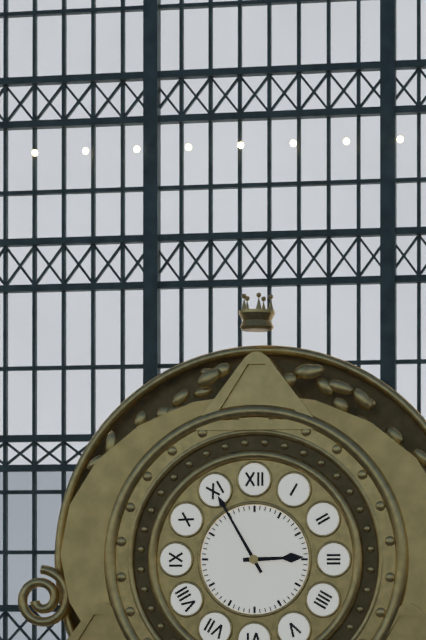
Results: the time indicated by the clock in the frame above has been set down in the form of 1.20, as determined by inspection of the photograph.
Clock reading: 2.55
